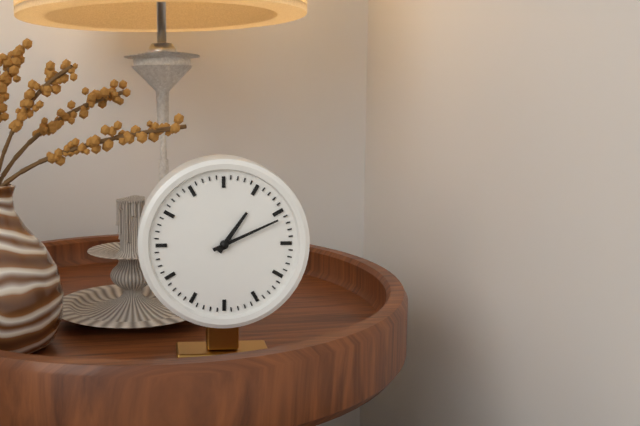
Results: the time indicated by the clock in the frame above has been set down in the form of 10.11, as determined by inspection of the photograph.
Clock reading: 1.11
